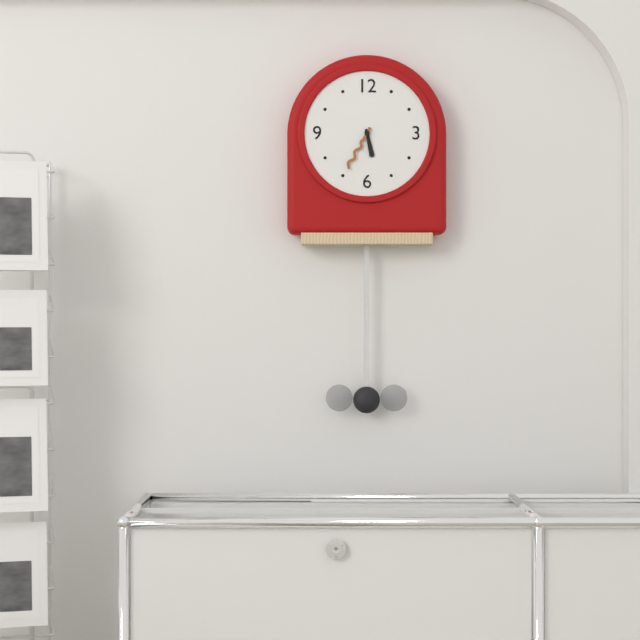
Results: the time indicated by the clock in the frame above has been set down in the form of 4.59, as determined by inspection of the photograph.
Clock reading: 5.35
